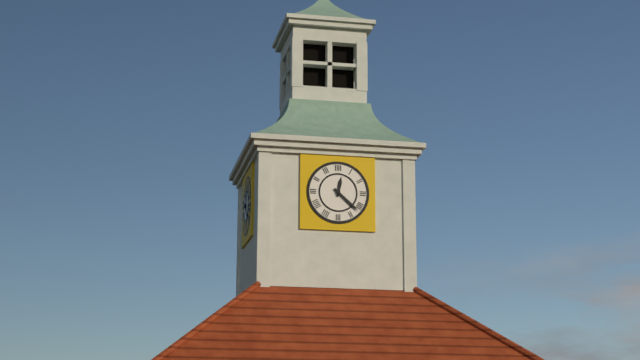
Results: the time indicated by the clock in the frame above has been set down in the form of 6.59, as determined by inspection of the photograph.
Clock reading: 12.22
